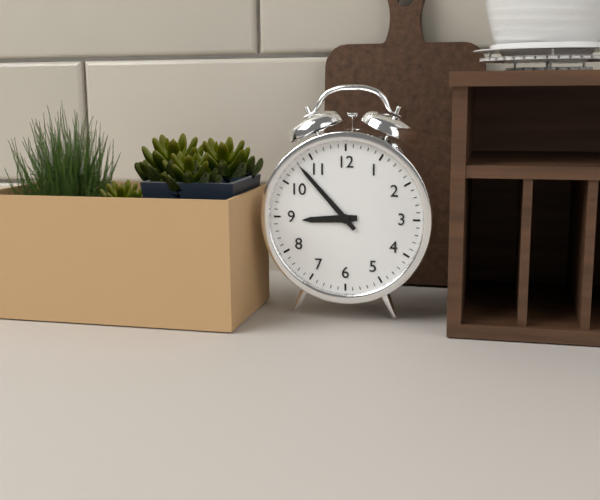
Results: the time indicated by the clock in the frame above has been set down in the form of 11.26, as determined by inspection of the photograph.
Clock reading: 8.53
